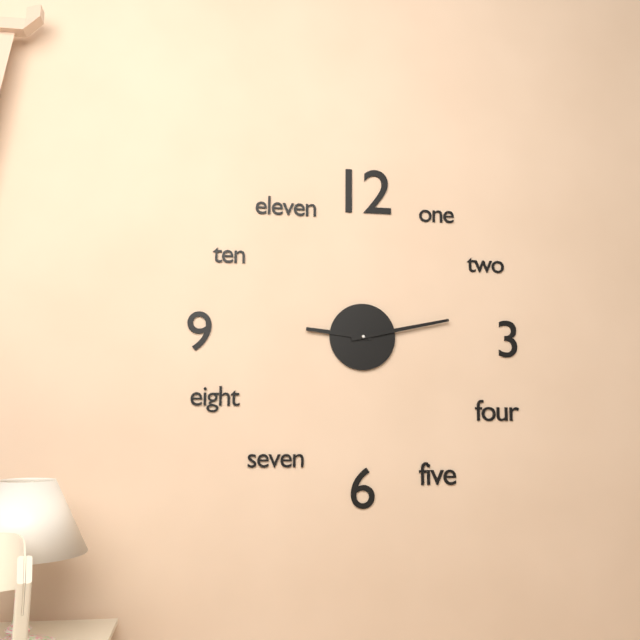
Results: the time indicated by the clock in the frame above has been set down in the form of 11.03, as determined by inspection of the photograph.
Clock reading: 9.13
